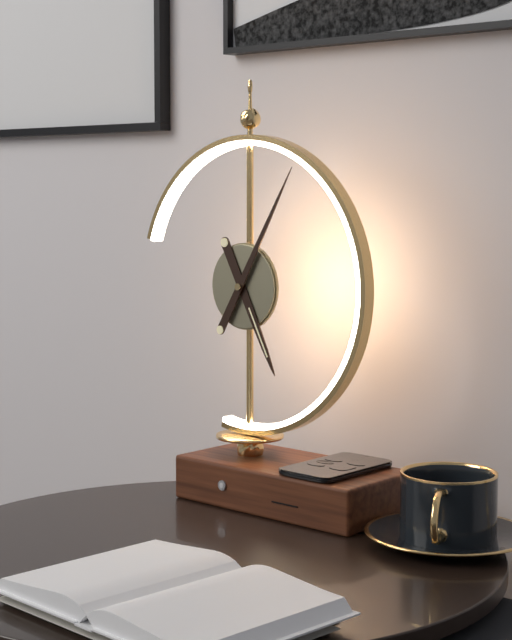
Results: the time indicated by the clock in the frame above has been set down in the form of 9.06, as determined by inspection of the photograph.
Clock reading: 5.05
